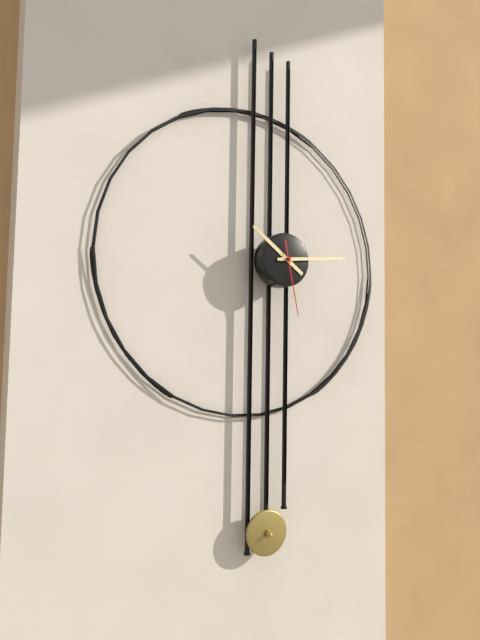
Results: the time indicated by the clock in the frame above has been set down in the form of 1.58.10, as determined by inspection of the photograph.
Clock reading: 10.14.28
